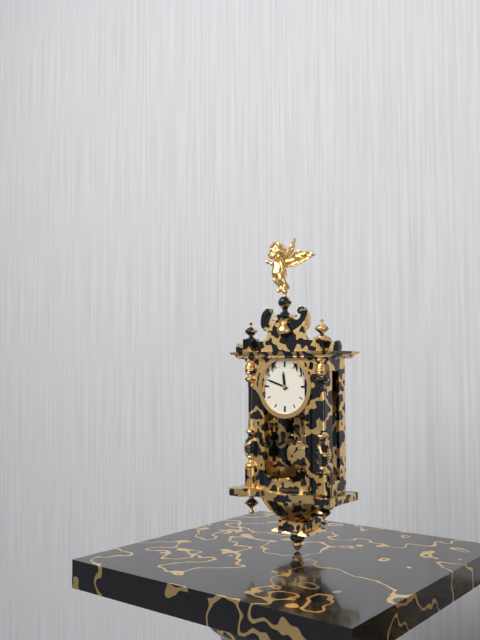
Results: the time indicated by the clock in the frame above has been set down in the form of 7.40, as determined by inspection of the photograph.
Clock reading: 11.48
